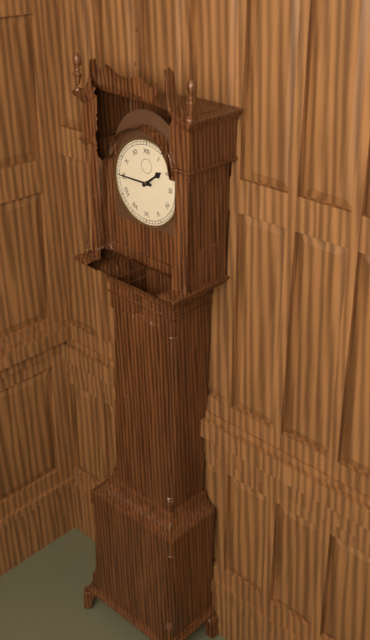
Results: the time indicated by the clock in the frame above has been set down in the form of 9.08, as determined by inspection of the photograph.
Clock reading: 1.45
